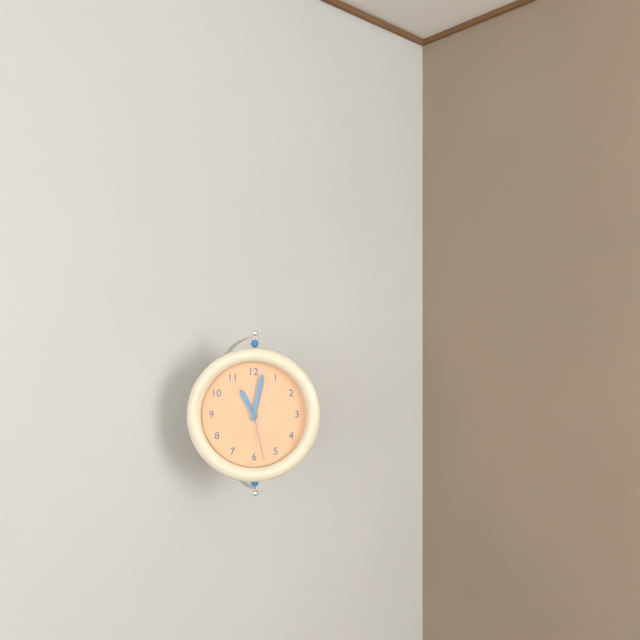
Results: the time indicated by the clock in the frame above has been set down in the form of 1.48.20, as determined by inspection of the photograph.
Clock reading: 11.02.28
